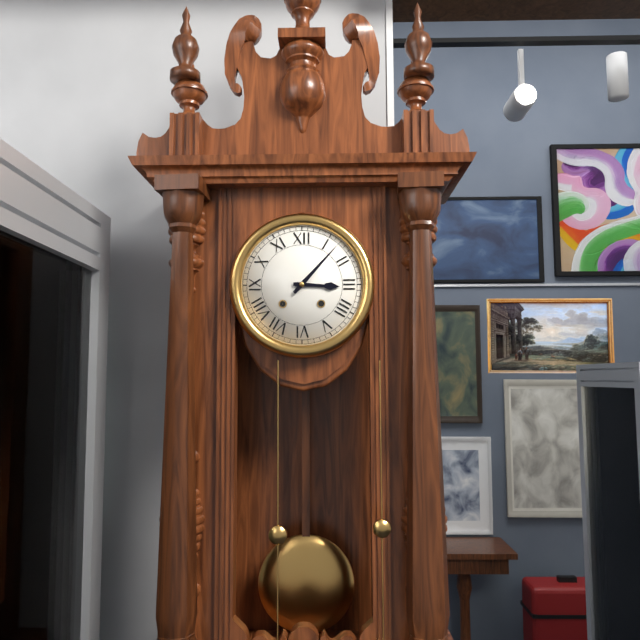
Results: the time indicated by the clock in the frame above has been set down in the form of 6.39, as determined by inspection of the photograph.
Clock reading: 3.07
